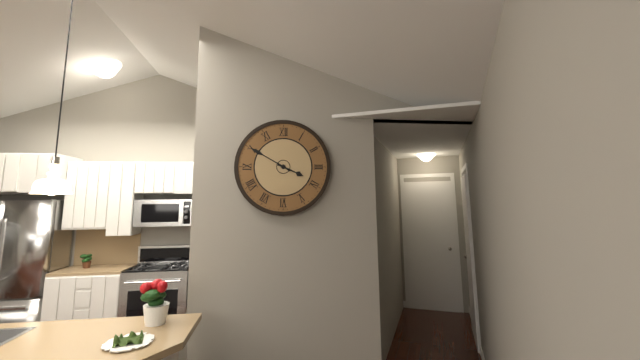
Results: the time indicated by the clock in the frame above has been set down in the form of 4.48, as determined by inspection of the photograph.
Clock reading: 3.50
